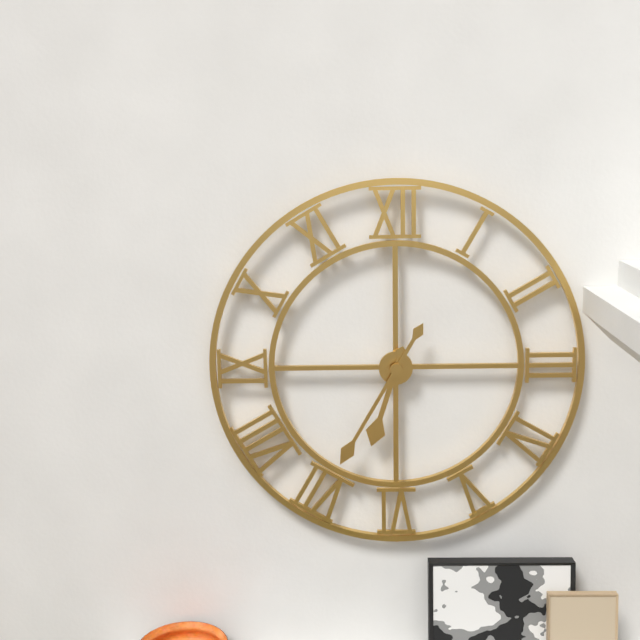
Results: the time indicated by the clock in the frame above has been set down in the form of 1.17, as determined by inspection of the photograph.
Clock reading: 6.35
